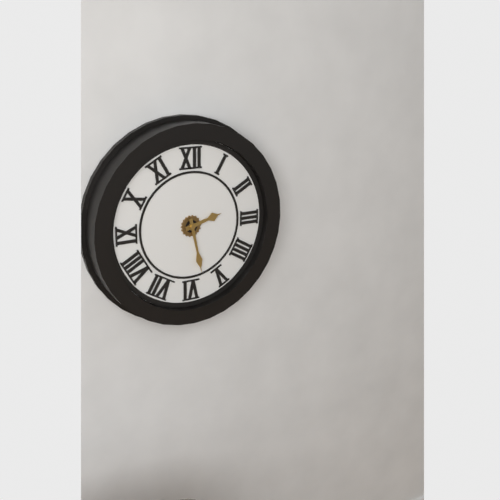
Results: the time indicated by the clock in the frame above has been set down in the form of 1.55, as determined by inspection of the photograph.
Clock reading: 2.28
